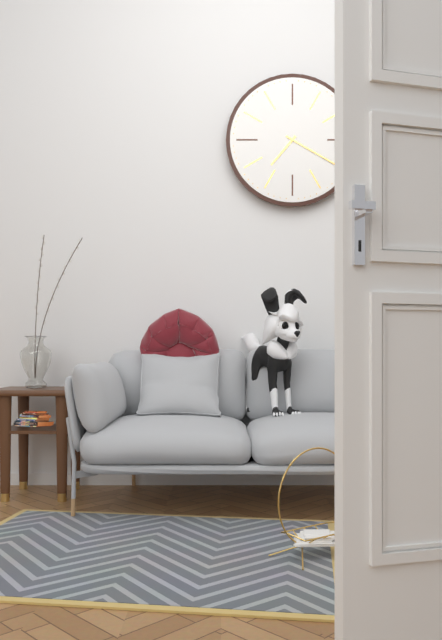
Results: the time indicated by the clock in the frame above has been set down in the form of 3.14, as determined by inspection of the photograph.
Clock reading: 7.20
